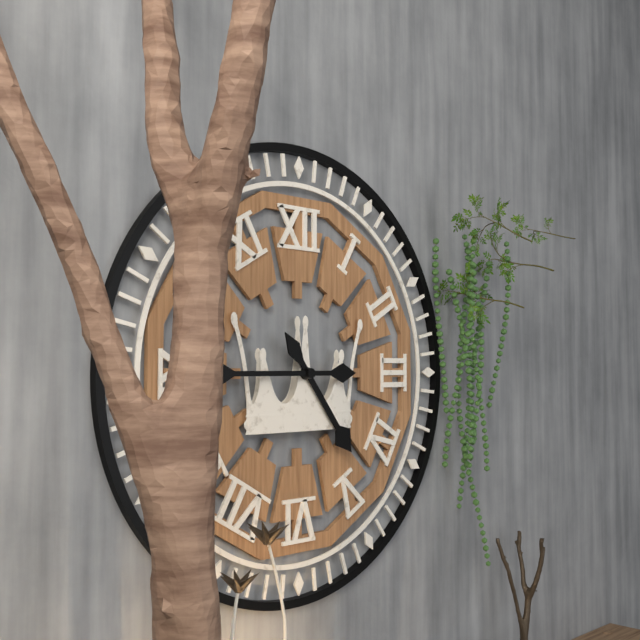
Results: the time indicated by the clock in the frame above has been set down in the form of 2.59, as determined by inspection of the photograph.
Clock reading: 4.45
